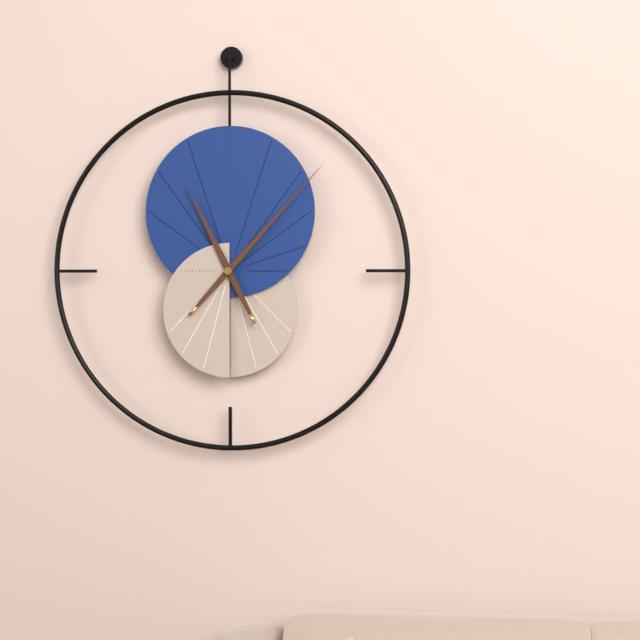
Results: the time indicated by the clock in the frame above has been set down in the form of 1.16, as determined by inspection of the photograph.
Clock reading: 11.07
